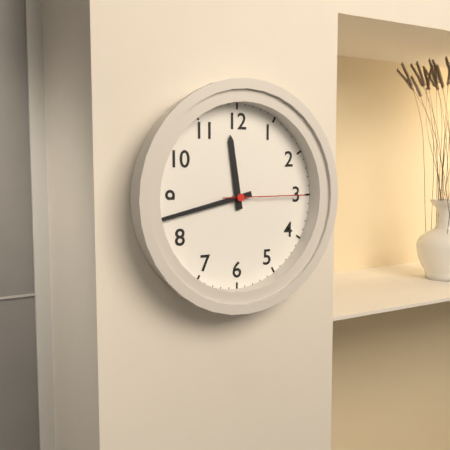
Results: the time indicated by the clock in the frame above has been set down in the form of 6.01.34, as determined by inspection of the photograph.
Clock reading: 11.43.15
